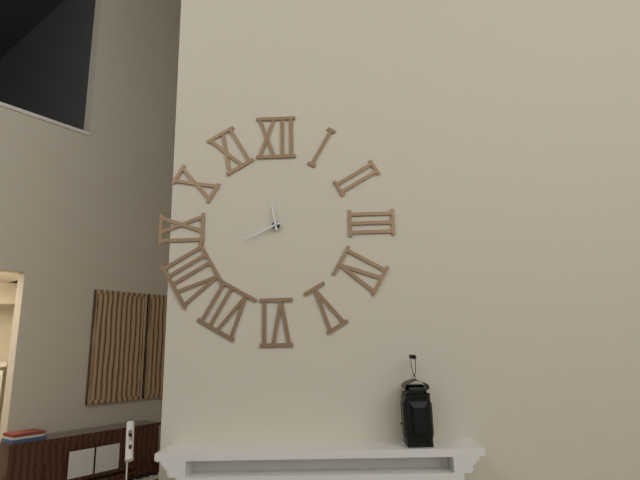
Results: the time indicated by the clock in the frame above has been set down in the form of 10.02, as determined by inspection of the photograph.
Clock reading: 11.41
